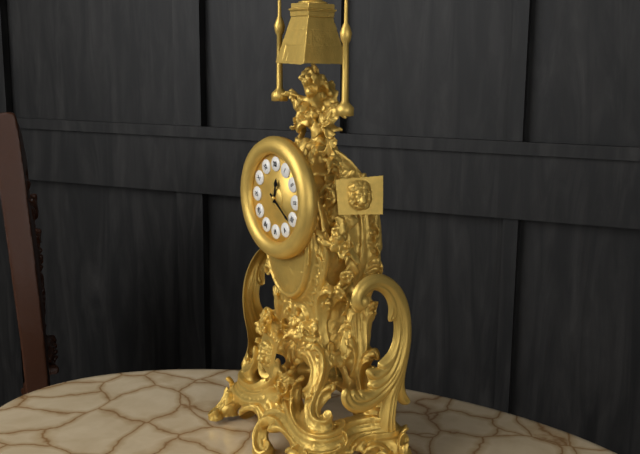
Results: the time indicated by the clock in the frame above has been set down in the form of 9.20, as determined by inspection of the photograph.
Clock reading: 12.21
